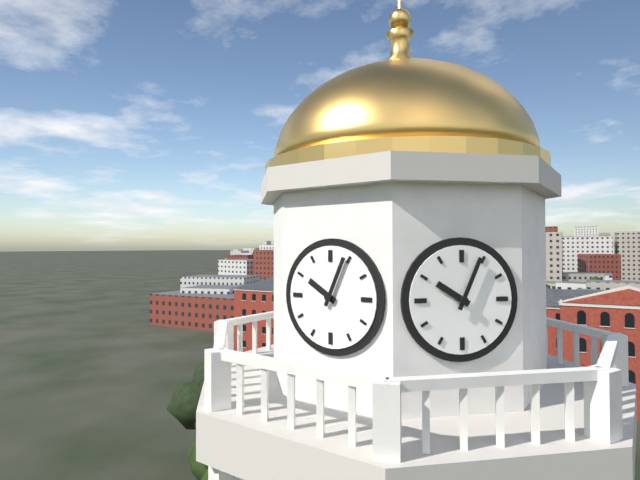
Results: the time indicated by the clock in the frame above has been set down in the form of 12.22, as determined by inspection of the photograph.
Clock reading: 10.04
